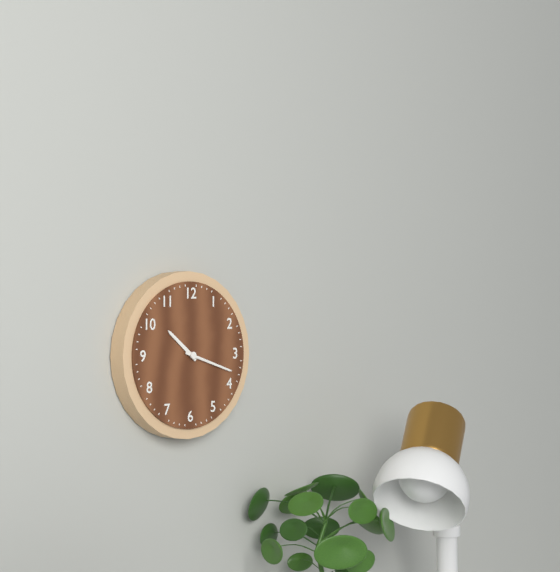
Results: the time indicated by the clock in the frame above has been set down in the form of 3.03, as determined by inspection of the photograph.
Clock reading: 10.18
